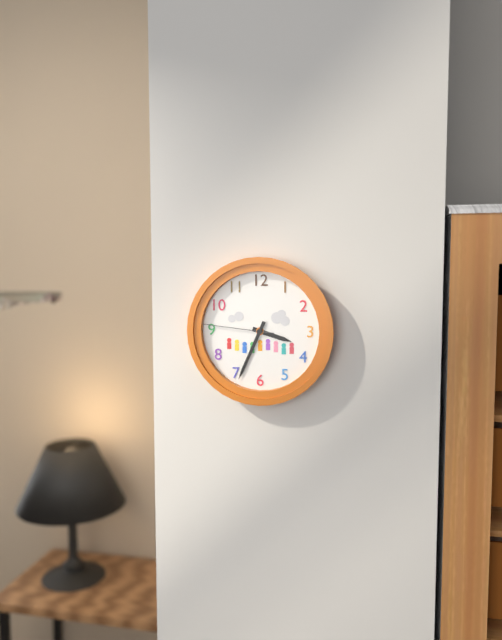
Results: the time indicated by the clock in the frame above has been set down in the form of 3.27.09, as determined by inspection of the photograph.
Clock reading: 3.34.46
